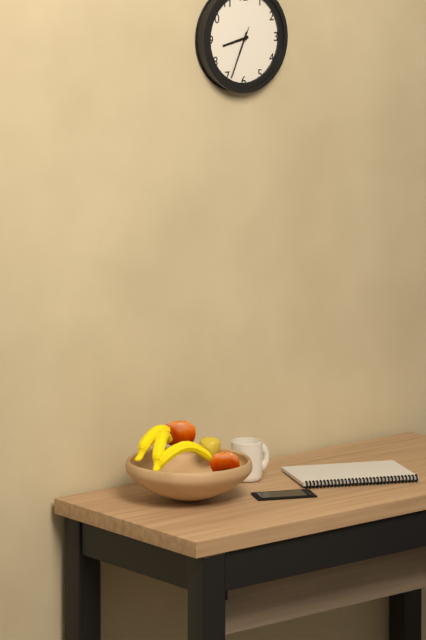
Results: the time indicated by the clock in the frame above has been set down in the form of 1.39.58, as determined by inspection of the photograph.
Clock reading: 8.34.34
